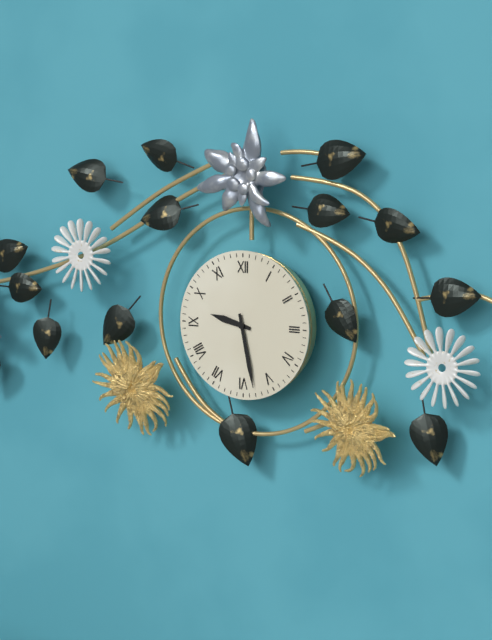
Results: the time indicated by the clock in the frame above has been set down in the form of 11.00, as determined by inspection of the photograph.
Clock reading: 9.28
